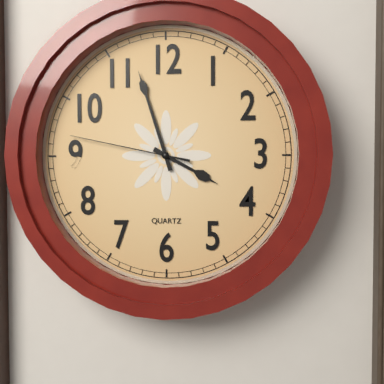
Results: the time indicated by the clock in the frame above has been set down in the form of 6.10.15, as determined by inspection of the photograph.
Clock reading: 3.57.47
